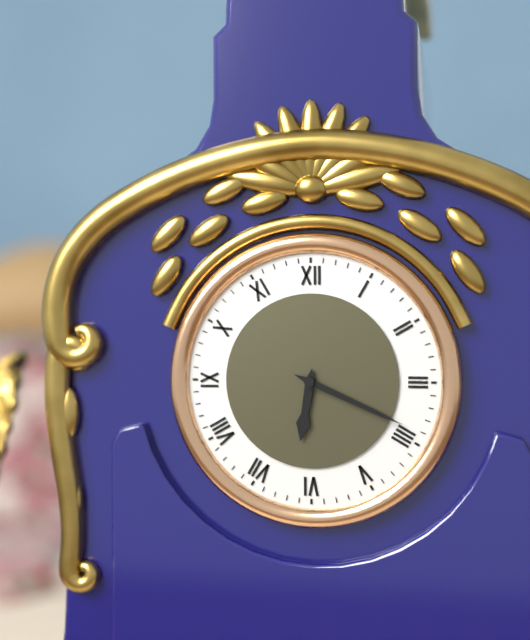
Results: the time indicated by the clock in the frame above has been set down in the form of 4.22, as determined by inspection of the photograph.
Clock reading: 6.19
